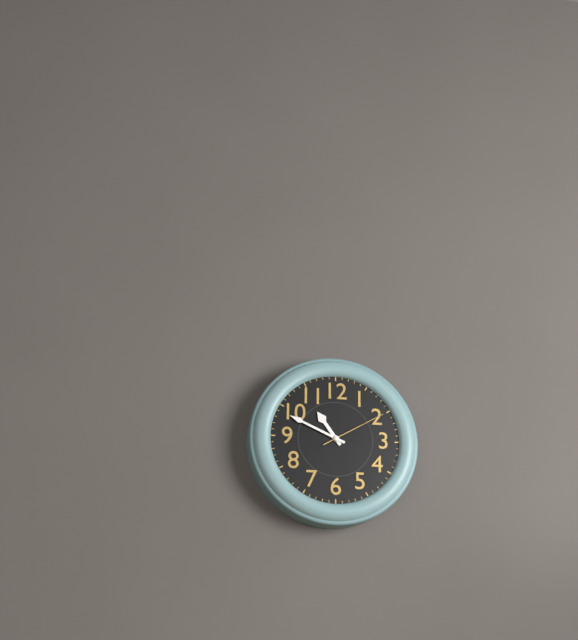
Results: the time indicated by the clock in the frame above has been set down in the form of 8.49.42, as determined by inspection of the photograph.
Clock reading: 10.49.10
